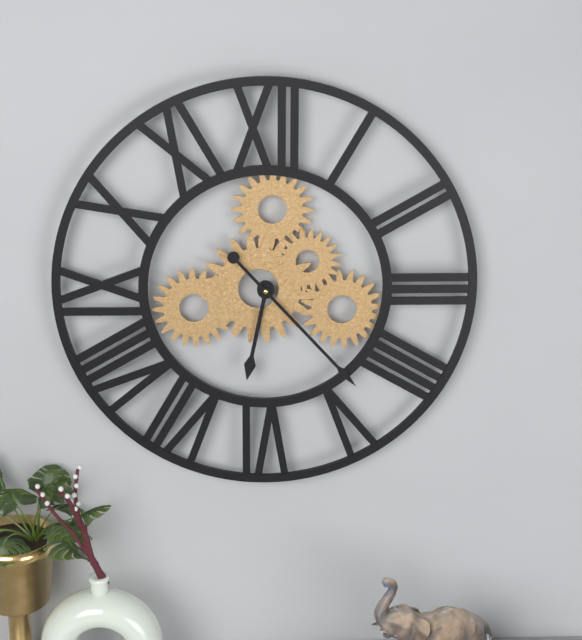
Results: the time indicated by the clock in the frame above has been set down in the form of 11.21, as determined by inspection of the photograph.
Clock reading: 6.23
